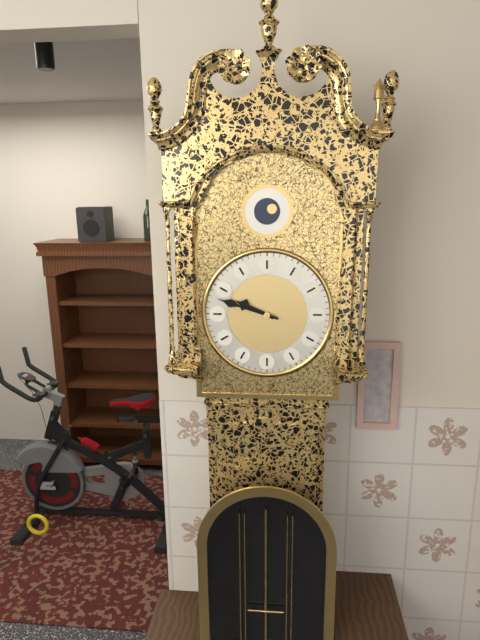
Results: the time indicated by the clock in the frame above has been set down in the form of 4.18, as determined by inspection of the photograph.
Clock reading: 9.48
